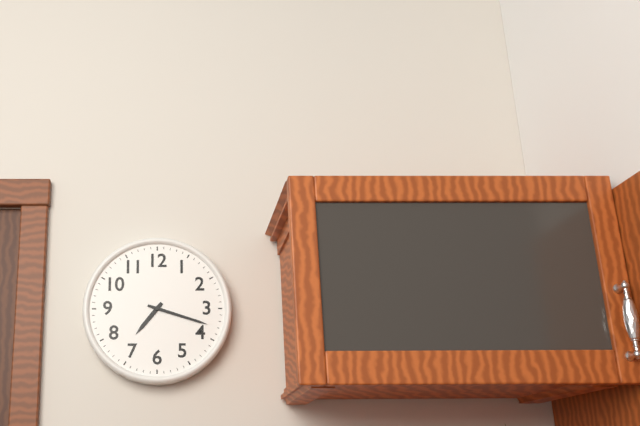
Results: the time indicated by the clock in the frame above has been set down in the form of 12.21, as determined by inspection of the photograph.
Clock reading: 7.18
